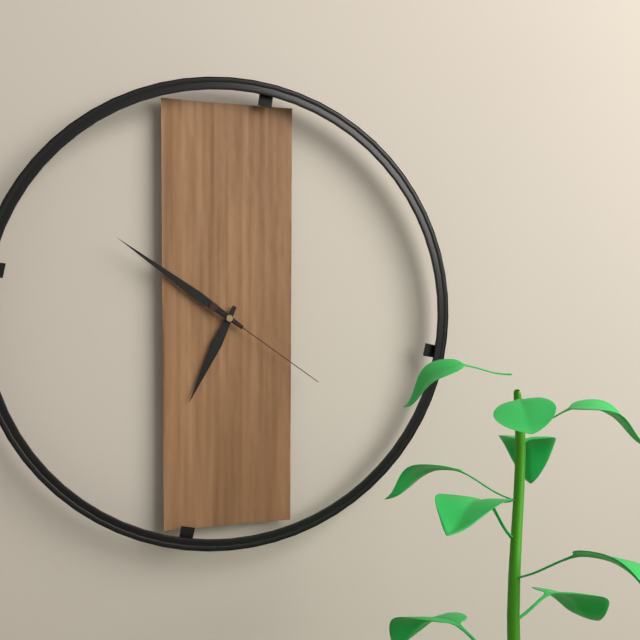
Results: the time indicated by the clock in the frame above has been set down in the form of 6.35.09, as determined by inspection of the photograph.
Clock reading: 6.51.21
